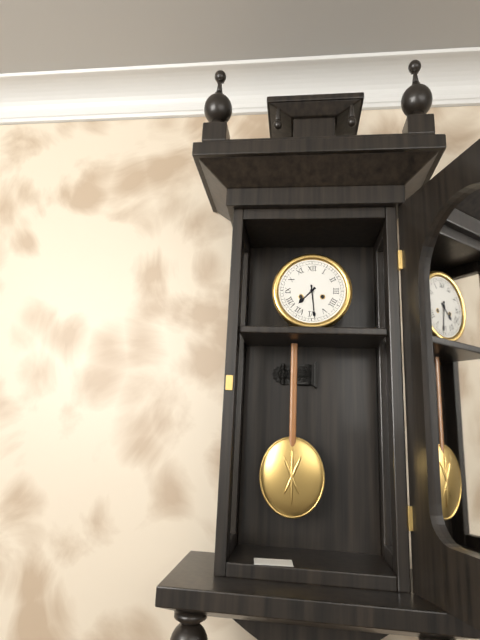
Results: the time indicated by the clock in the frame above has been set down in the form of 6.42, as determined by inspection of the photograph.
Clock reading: 7.29
